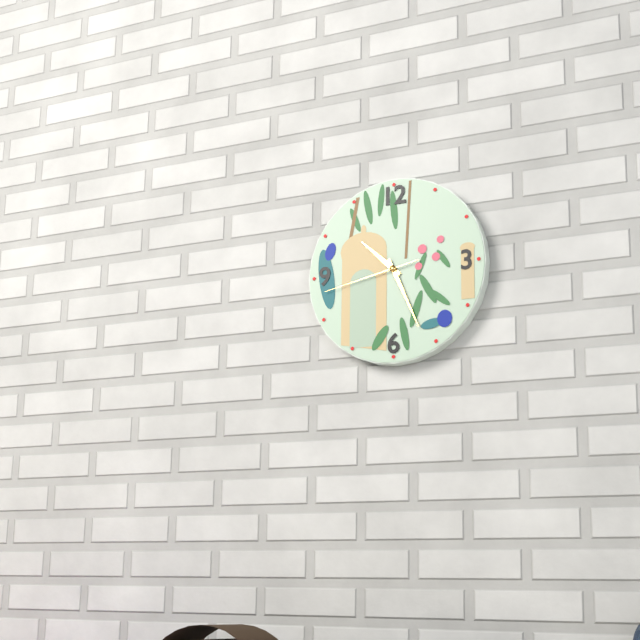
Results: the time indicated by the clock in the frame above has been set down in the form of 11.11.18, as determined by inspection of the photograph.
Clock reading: 10.26.43
